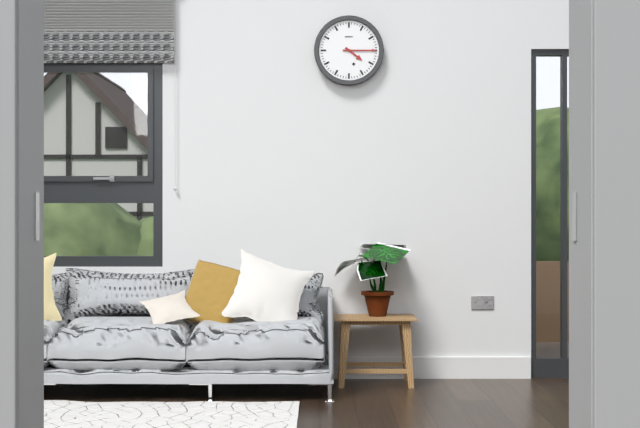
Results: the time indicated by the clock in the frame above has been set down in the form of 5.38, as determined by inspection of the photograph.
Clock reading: 4.15
